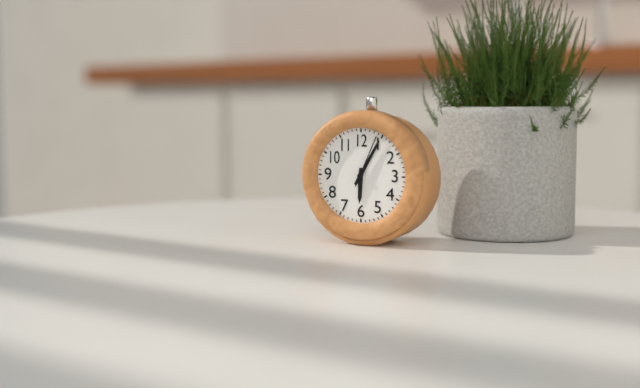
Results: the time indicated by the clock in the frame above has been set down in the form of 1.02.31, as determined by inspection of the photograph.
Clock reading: 6.05.04
